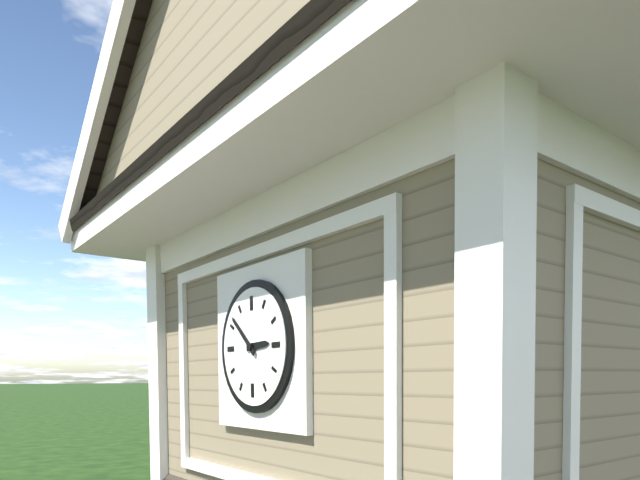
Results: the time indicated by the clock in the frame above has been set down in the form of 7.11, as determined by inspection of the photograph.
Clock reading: 2.52
